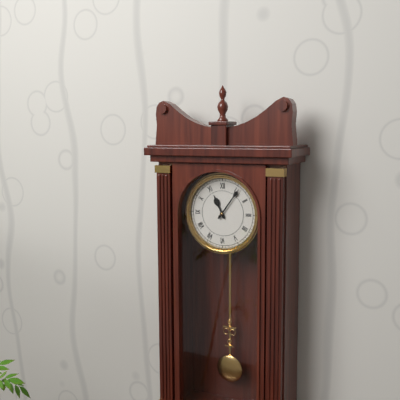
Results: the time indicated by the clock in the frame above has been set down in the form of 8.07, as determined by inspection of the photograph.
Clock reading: 11.06
